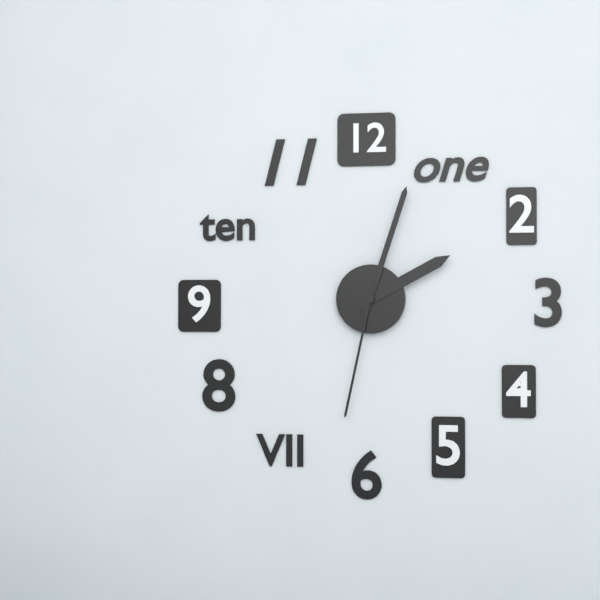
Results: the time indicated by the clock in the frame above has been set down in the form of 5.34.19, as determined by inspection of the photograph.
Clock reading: 2.03.32
